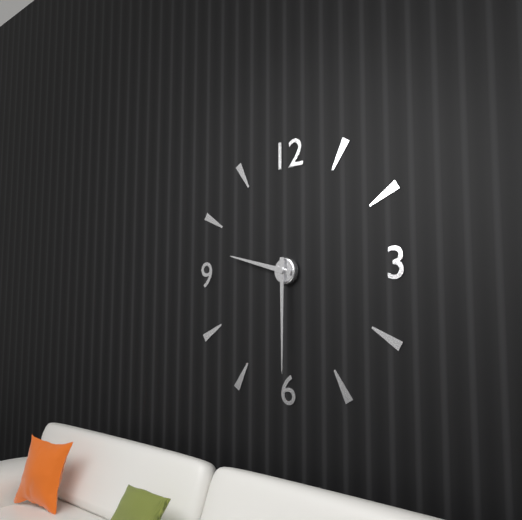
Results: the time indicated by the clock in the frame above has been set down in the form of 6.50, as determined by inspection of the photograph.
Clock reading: 9.30
